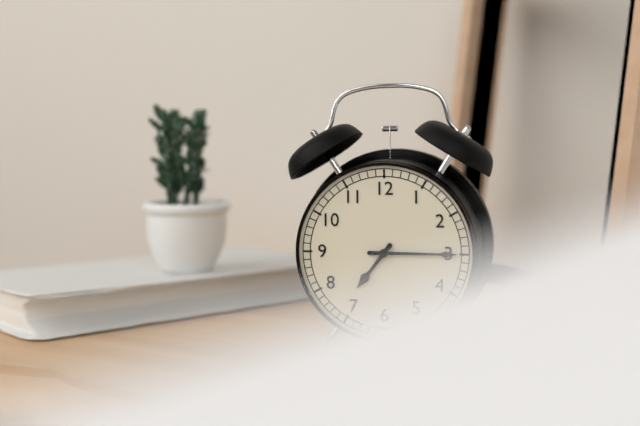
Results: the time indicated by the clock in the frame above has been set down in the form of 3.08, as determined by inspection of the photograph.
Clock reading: 7.15
